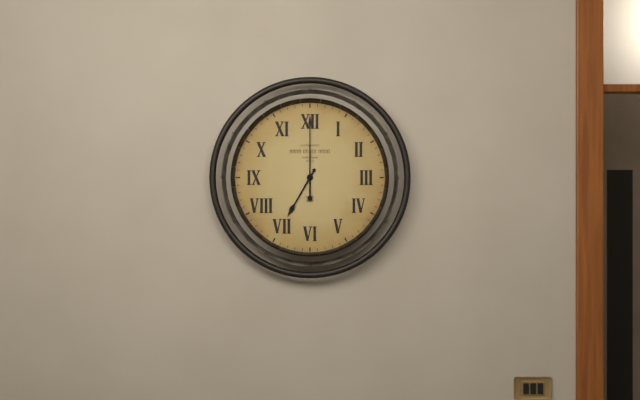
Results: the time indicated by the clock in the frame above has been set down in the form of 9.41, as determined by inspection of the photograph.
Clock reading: 7.00
